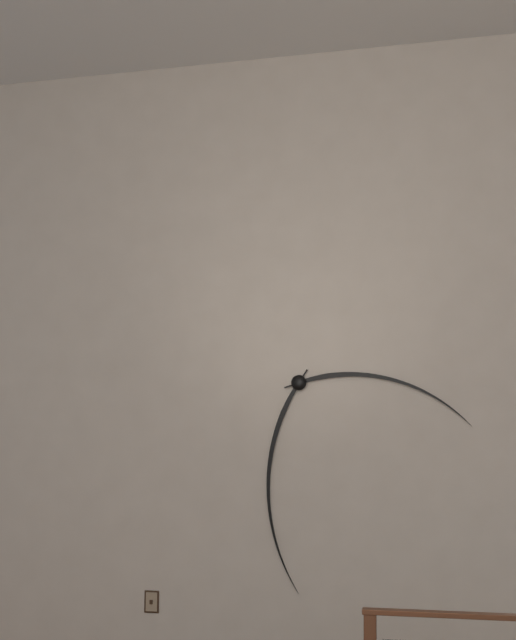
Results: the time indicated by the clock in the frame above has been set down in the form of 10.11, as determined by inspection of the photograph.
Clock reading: 3.30
